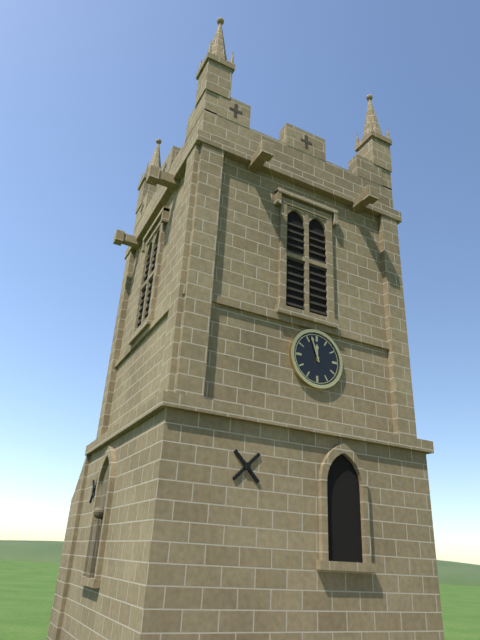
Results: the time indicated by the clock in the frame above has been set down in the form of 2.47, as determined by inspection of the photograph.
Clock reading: 11.57
